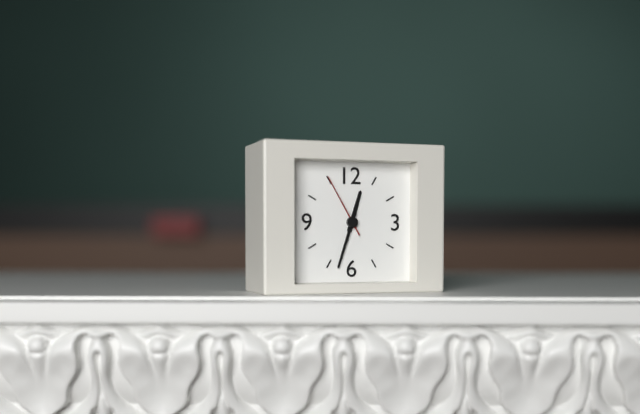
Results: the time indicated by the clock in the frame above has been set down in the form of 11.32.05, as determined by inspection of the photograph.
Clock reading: 12.33.55
